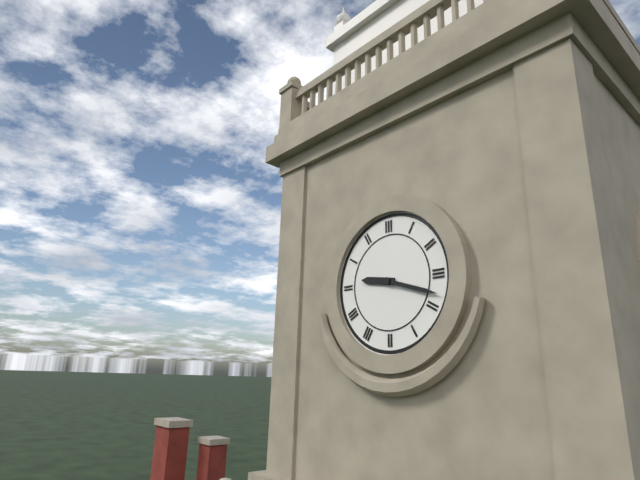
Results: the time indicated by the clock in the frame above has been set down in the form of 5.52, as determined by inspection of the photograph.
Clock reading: 9.18
